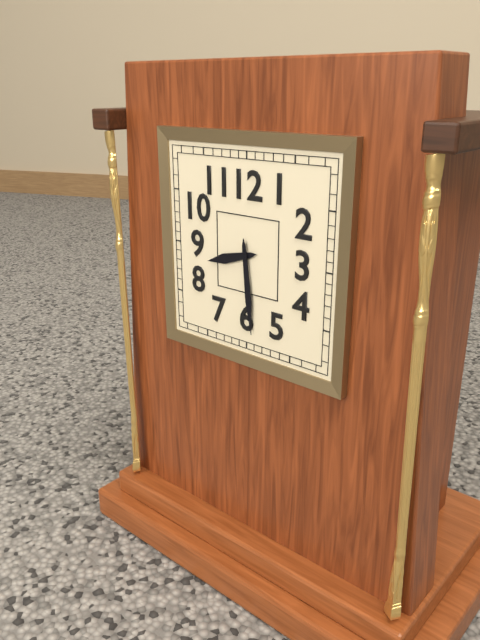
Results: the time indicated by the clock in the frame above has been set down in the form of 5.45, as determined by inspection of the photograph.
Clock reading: 8.29
